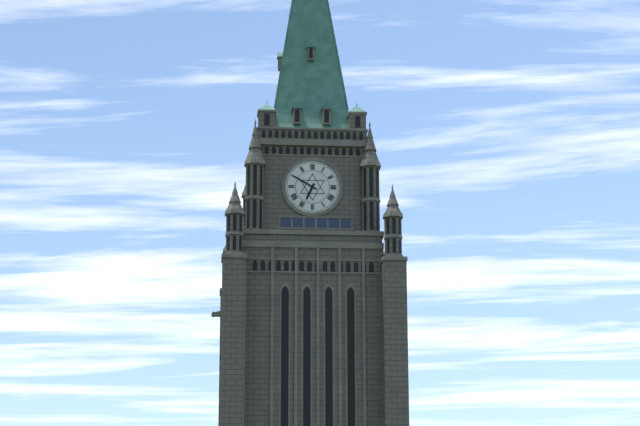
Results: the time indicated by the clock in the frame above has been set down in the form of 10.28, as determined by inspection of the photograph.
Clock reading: 6.50
